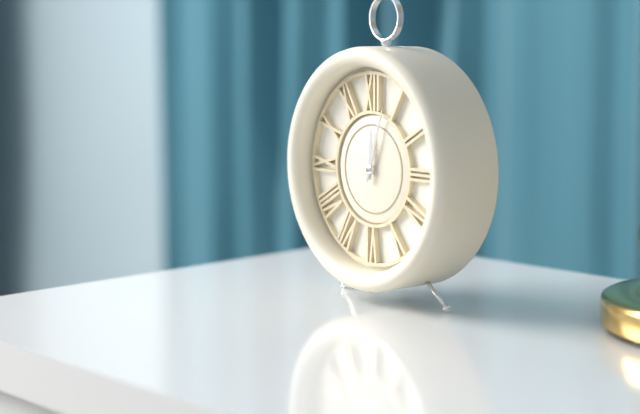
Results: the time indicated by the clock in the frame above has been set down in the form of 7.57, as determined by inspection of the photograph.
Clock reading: 12.03
